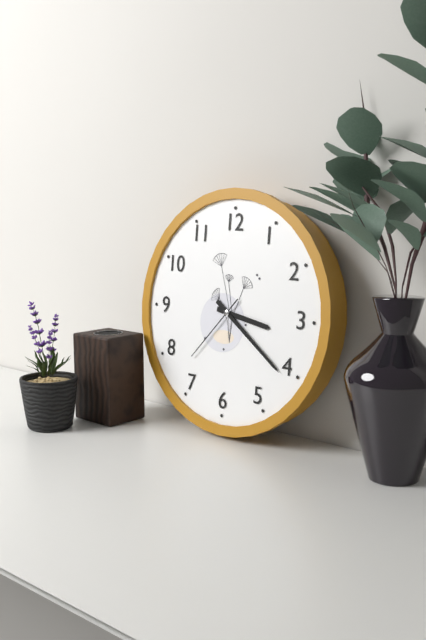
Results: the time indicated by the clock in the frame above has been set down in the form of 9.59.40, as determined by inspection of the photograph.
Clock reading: 3.21.37
